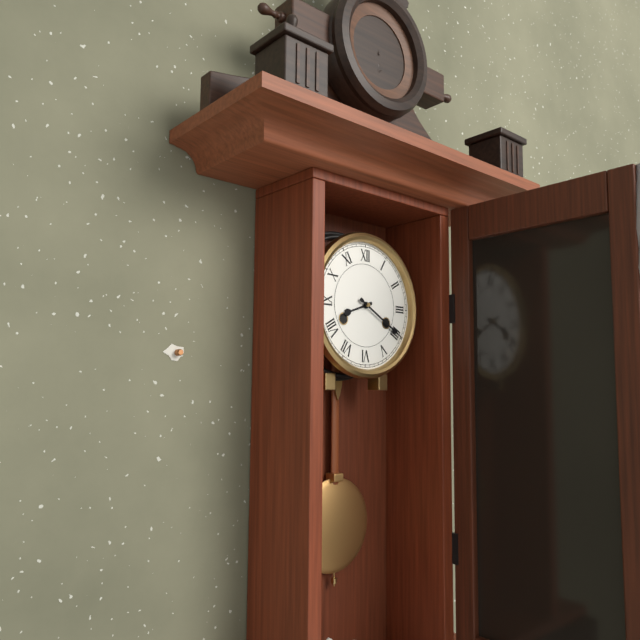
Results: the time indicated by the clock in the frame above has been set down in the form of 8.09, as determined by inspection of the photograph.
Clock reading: 8.20
